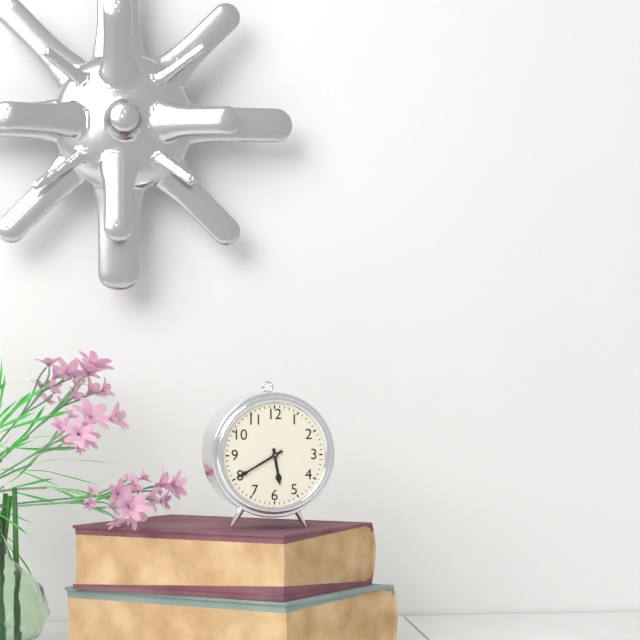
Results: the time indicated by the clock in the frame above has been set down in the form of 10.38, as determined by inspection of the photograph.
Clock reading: 5.40
